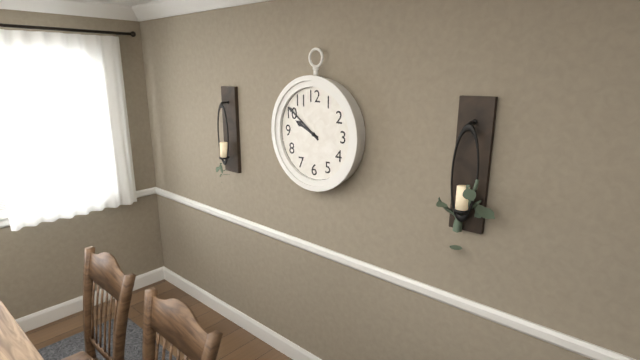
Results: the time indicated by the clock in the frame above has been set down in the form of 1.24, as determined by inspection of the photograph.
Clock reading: 9.51
